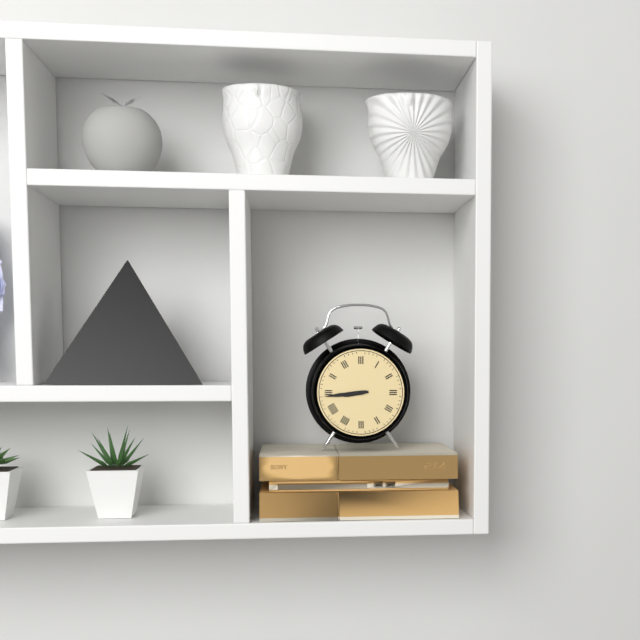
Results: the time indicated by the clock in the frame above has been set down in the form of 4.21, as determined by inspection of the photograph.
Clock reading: 8.44
